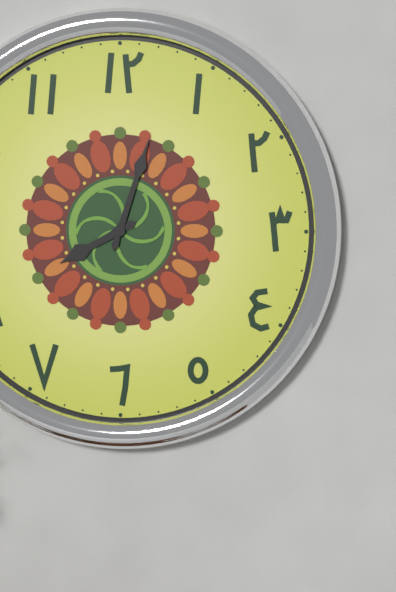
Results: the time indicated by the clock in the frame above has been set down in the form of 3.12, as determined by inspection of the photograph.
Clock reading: 8.03
